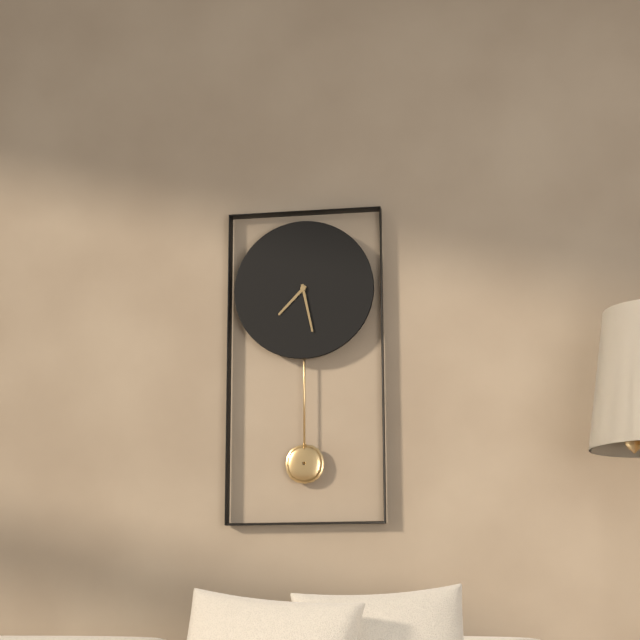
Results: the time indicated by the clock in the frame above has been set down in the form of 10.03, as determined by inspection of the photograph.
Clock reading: 7.28
